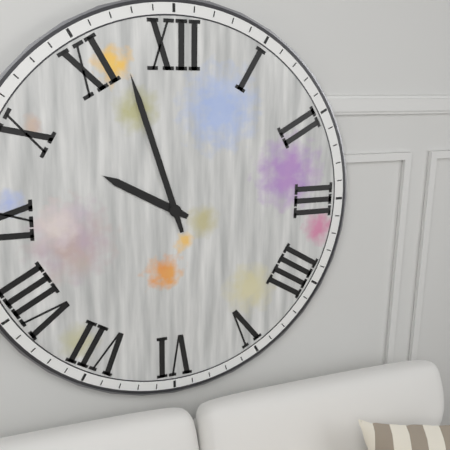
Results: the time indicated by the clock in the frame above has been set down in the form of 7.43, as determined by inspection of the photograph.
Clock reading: 9.57
